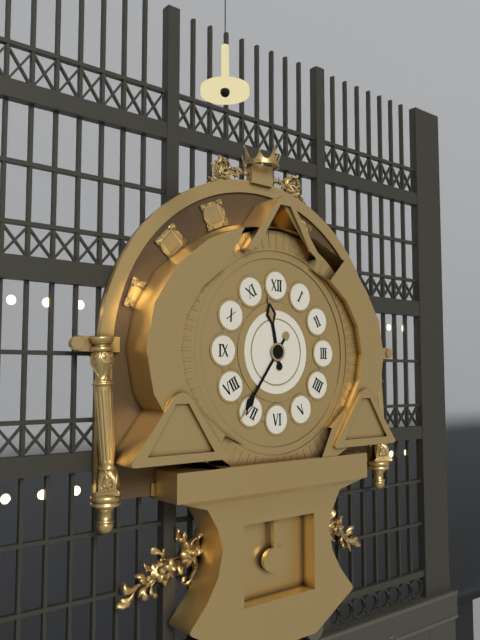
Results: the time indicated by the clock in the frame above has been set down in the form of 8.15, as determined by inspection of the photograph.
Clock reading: 11.36
